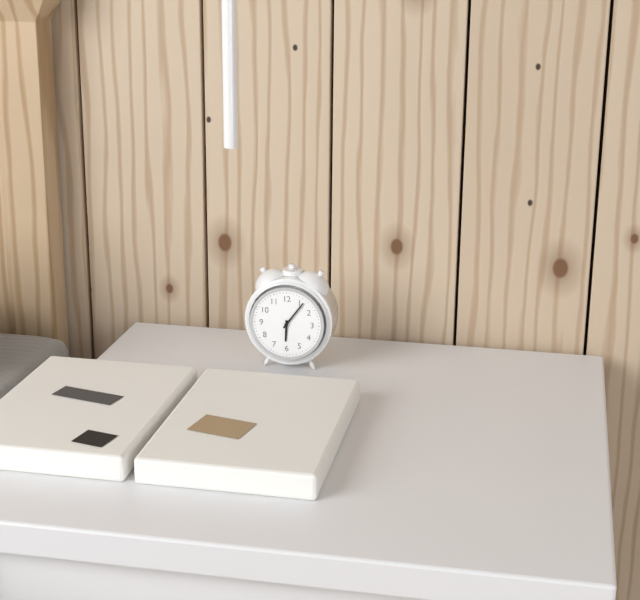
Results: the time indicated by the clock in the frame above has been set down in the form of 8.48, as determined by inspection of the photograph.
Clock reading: 6.06
